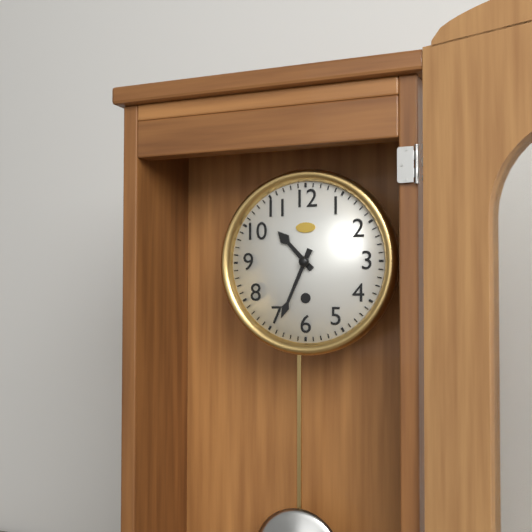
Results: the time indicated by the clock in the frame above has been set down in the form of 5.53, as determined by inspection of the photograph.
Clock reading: 10.34
